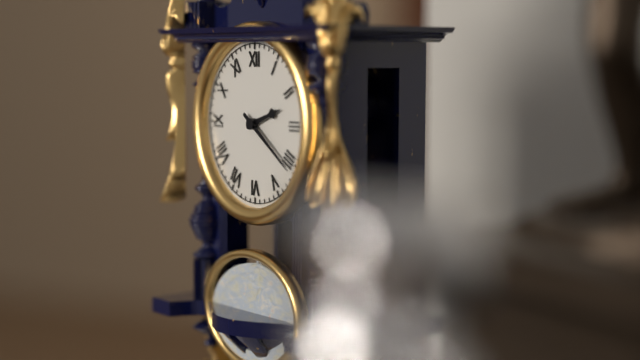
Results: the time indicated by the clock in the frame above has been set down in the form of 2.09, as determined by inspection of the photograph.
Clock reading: 2.21
